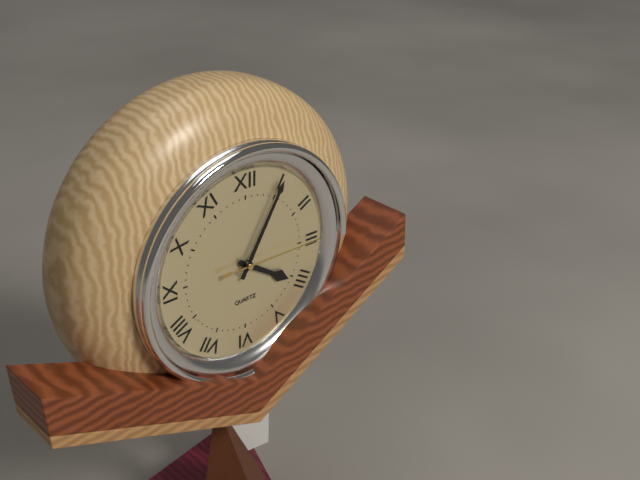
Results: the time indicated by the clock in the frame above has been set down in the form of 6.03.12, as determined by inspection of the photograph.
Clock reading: 4.05.15
